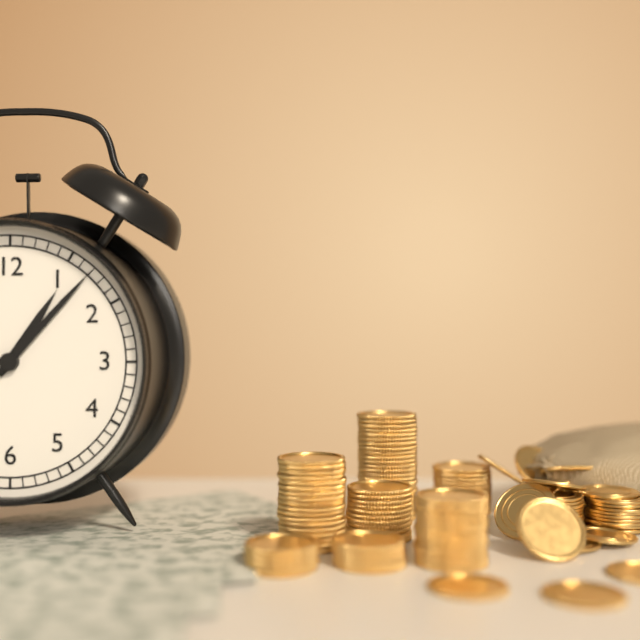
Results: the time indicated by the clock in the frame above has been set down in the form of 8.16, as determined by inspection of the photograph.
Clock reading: 1.07
